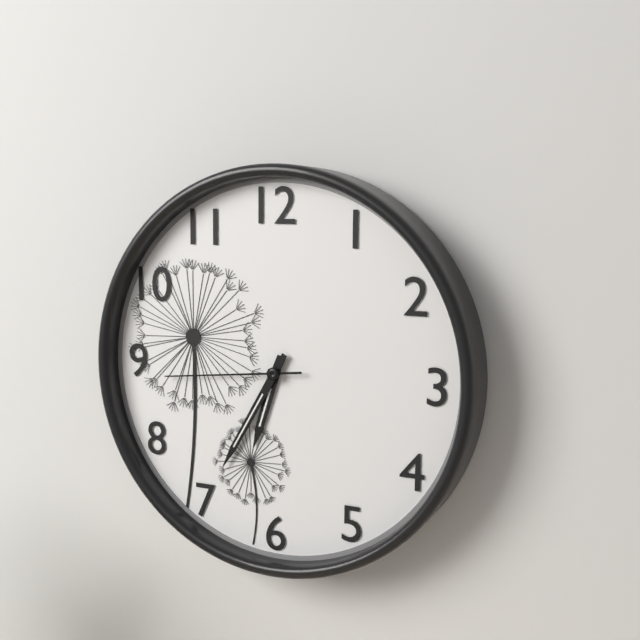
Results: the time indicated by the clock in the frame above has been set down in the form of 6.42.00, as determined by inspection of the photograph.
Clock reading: 6.35.44
